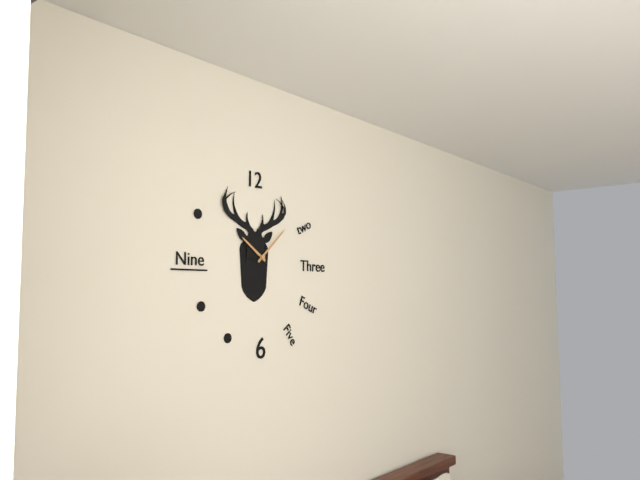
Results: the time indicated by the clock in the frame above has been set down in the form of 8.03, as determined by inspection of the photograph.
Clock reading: 10.08
